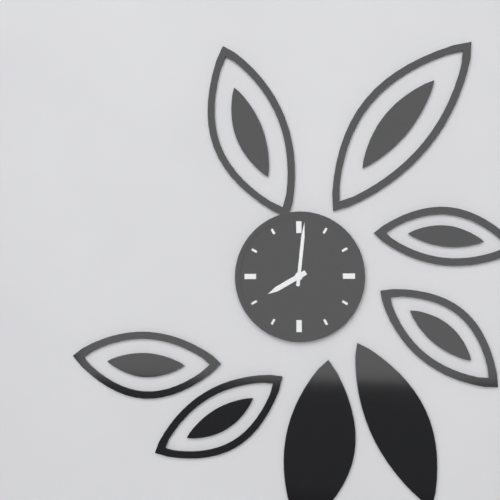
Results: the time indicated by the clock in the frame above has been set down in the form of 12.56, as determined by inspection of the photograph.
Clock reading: 8.01
